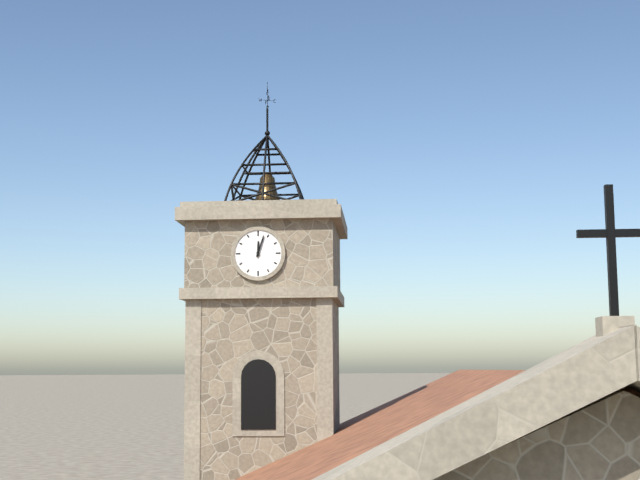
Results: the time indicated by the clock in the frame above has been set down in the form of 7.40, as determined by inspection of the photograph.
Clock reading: 12.03
